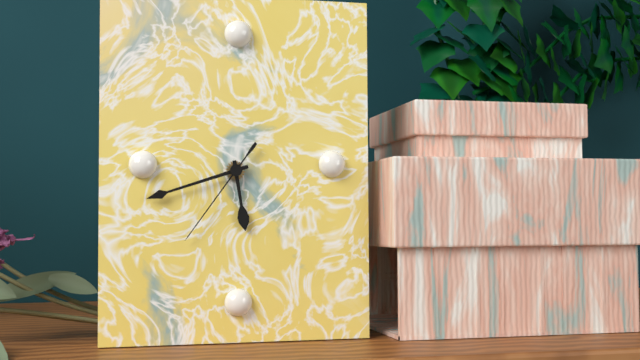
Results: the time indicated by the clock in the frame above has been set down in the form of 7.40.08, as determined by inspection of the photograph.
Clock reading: 5.42.36
